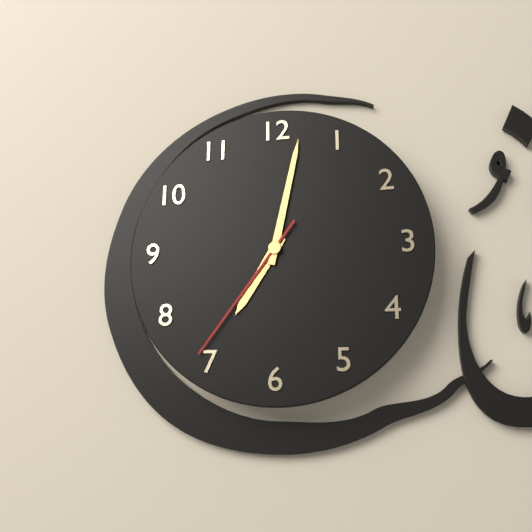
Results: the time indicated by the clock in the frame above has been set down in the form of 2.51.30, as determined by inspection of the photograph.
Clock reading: 7.02.36
